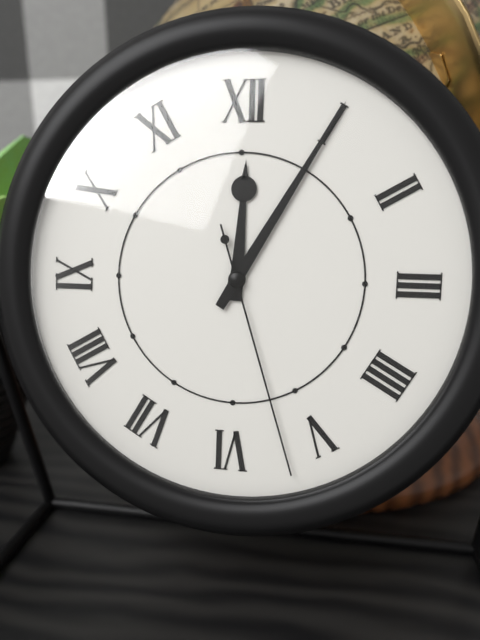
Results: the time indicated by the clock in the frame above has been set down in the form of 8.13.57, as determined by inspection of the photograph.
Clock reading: 12.05.27
